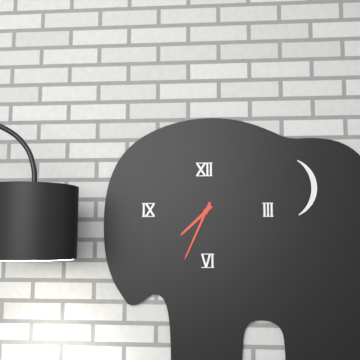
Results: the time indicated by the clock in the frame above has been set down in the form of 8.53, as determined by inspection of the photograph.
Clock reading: 7.34
